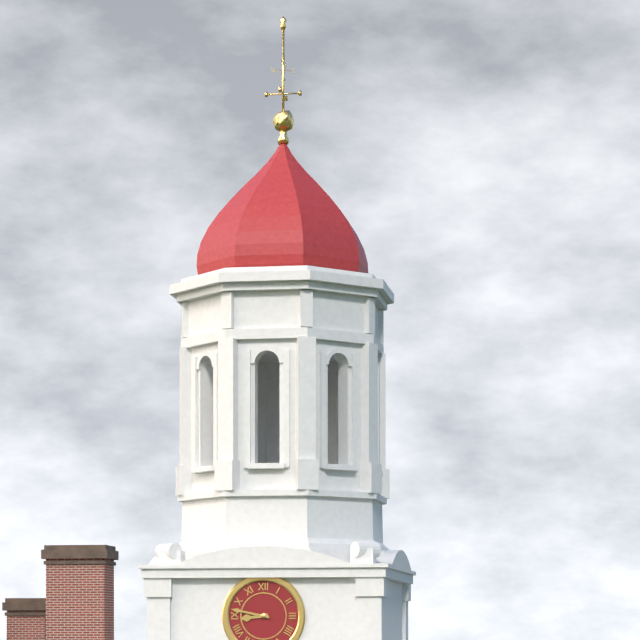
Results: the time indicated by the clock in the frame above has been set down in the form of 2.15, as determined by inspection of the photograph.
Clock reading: 8.47
